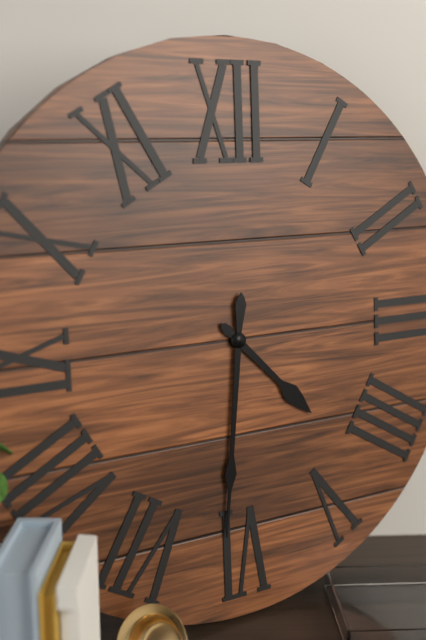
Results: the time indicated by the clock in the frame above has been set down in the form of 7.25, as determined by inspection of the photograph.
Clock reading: 4.31
